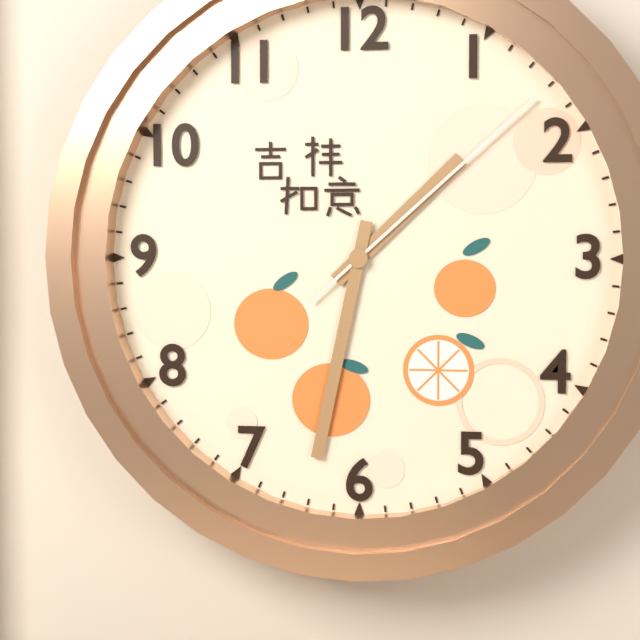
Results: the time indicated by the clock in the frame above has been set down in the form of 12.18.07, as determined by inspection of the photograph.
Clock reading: 1.32.08
